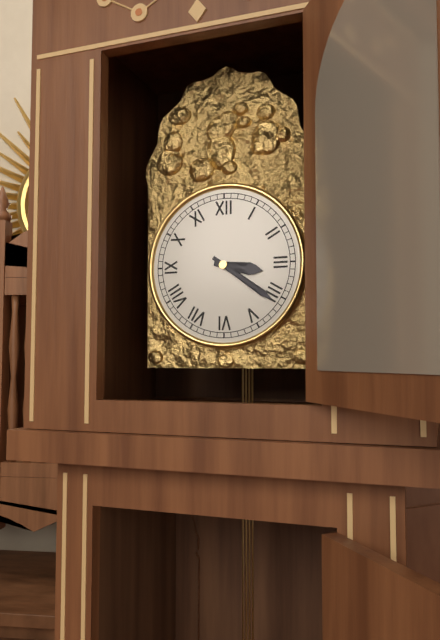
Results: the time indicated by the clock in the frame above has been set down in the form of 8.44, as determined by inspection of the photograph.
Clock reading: 3.21
